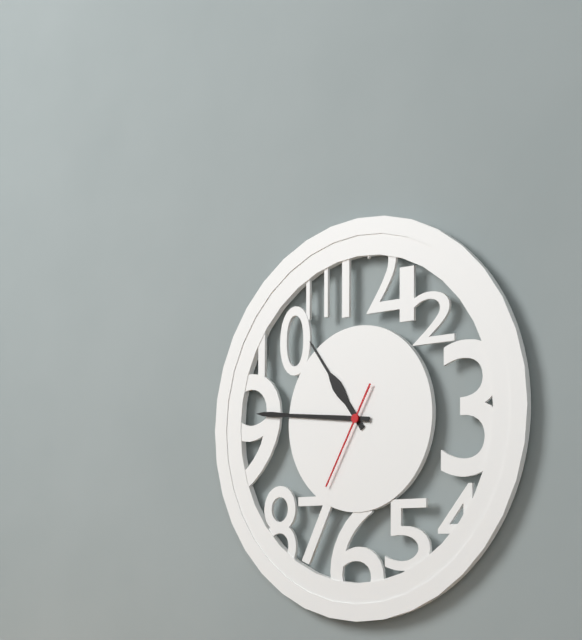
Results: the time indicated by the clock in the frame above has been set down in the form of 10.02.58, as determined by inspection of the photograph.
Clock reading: 10.46.35
